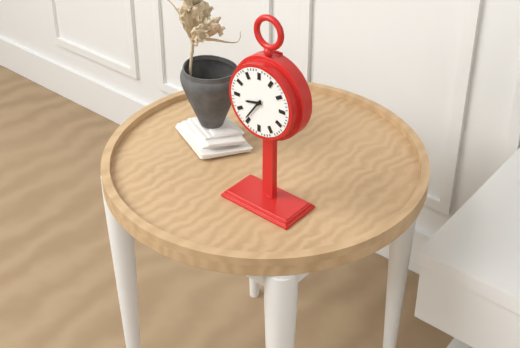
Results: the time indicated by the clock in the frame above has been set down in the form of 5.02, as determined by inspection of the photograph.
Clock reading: 8.36
